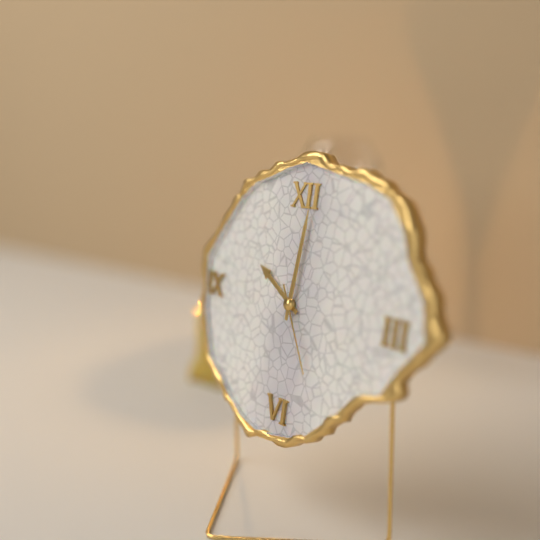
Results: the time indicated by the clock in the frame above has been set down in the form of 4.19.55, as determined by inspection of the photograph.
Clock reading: 10.01.25
